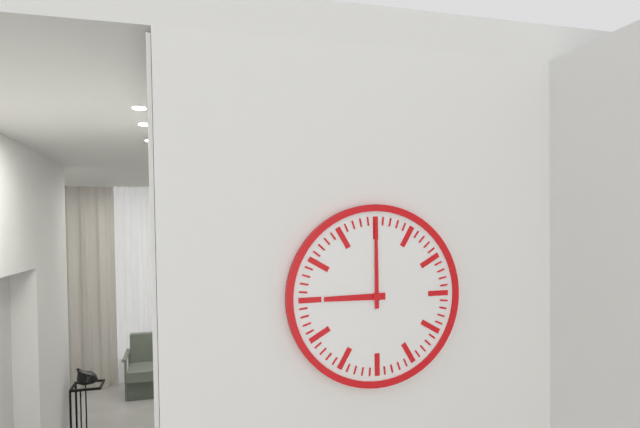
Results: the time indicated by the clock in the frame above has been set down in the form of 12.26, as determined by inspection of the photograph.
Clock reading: 9.00
